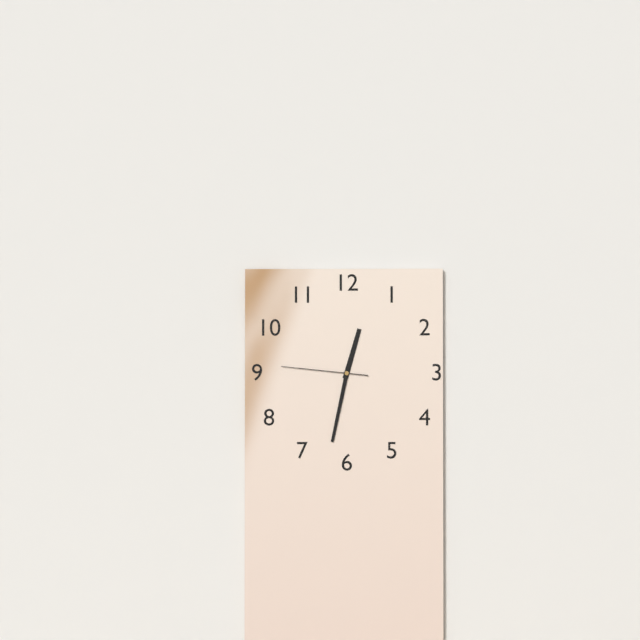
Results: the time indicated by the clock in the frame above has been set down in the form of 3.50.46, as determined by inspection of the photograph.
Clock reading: 12.32.46
